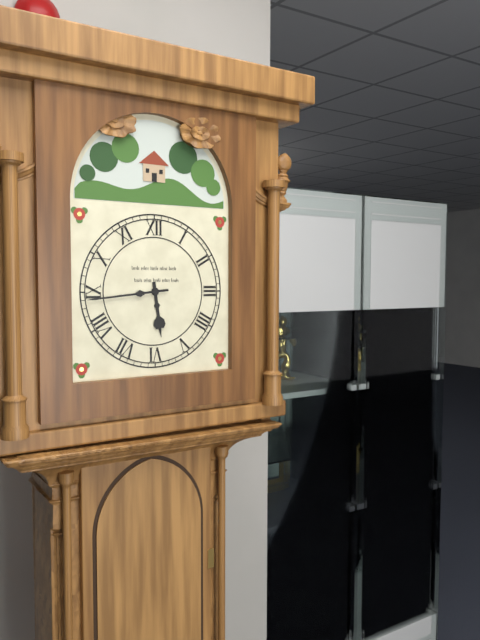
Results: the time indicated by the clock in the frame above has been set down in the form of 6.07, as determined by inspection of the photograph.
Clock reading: 5.44
